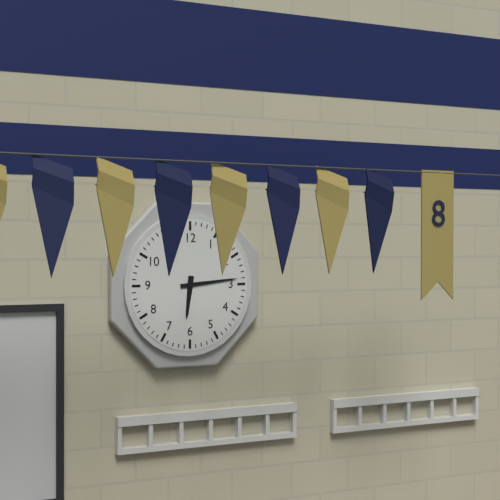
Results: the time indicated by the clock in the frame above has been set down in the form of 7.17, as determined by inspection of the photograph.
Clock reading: 6.14
